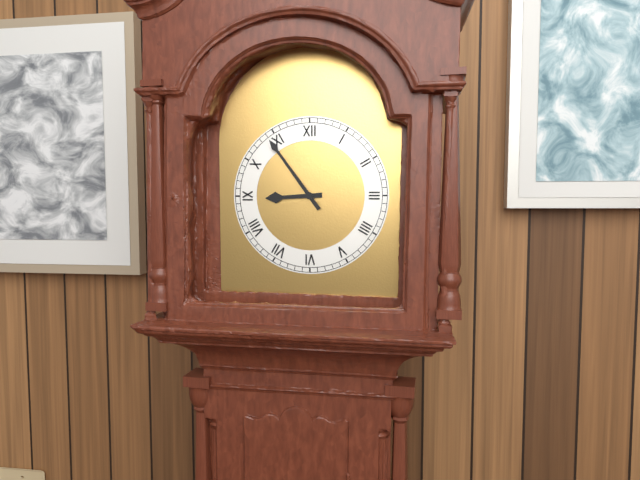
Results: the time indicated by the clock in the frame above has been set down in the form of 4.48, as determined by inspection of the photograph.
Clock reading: 8.54
